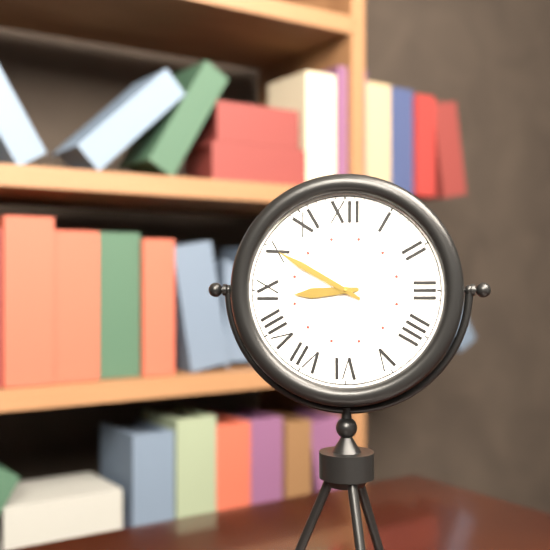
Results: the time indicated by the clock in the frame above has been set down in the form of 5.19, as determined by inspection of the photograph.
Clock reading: 8.50
